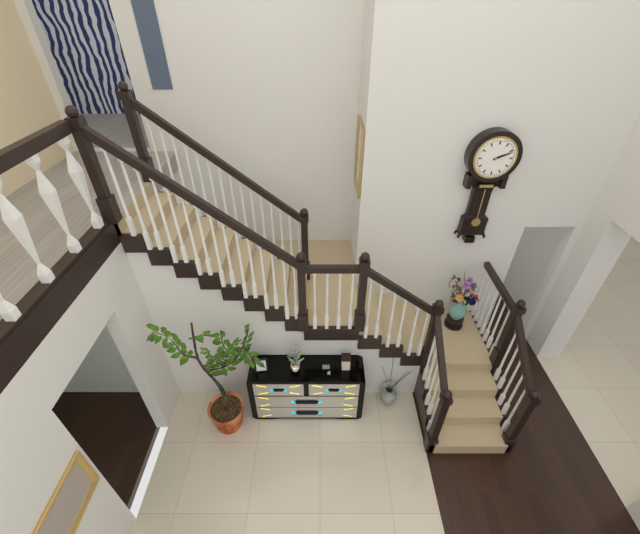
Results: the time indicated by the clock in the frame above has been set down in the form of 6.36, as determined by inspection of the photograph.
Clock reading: 2.11
